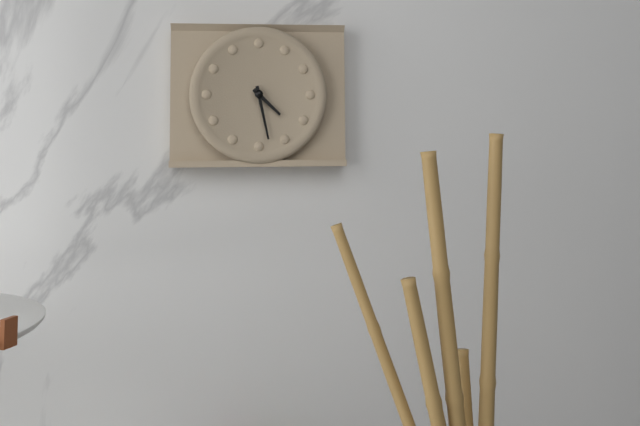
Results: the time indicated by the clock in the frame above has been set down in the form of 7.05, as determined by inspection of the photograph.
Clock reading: 4.28
